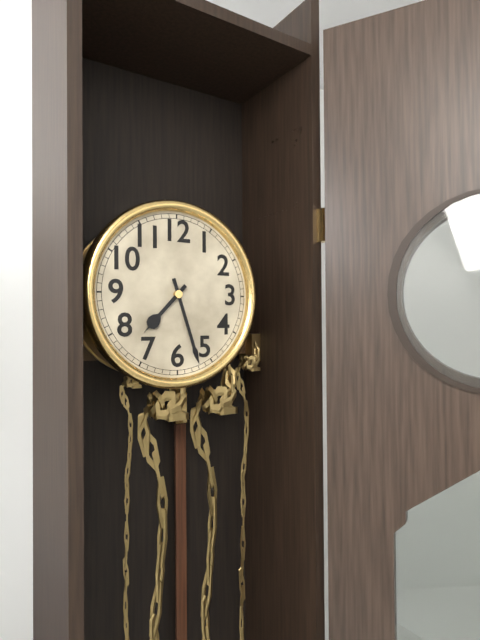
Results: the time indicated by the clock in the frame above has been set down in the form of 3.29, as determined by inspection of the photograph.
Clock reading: 7.27
